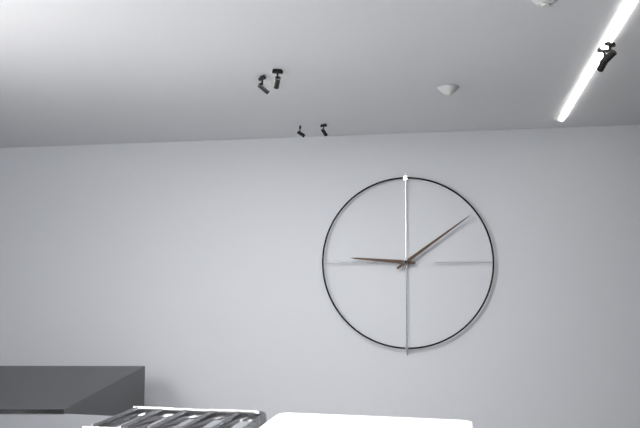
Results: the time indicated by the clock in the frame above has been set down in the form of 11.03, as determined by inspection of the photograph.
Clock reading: 9.09
